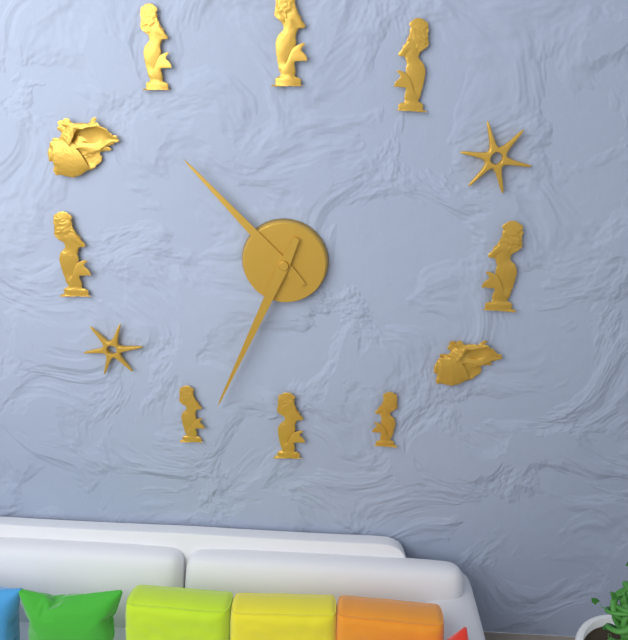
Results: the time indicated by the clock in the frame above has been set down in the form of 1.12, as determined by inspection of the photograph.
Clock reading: 10.34
